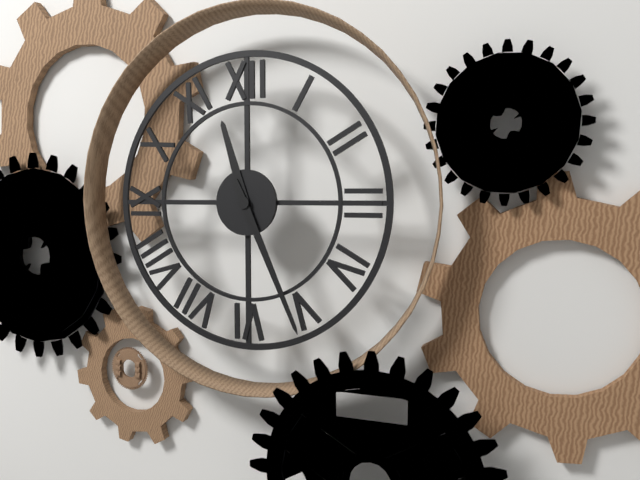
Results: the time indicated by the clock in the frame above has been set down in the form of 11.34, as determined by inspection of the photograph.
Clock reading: 11.26
